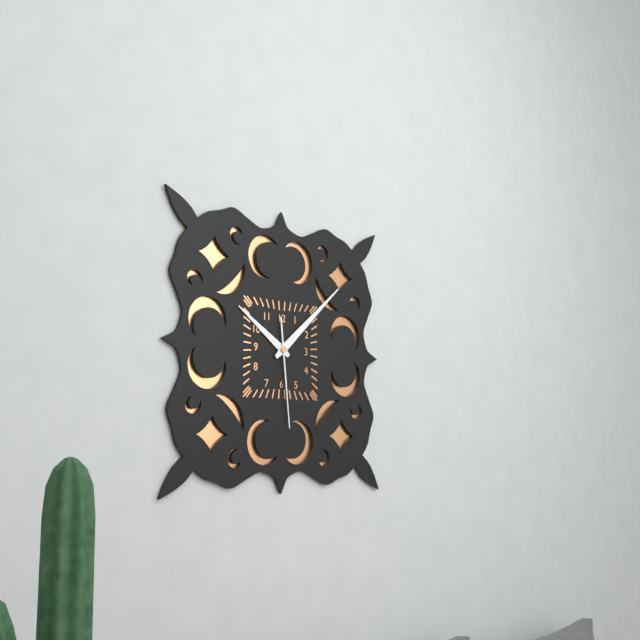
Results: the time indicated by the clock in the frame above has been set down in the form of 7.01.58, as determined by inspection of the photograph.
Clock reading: 10.08.29
